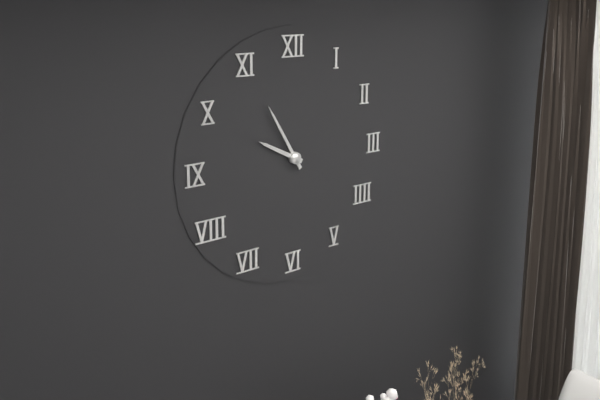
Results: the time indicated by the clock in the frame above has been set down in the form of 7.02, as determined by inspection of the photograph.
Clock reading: 9.55
